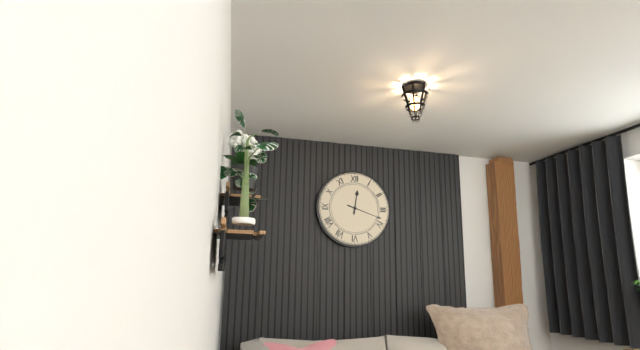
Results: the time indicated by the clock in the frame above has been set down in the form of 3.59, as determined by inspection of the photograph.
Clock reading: 12.18
